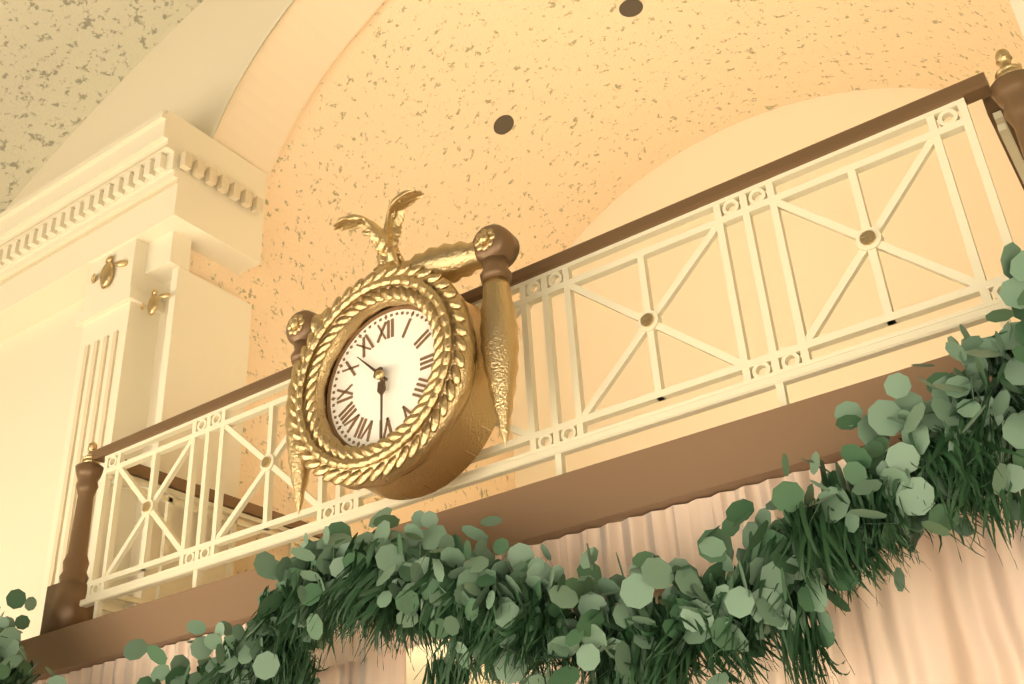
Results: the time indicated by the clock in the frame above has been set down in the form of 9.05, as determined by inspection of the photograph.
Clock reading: 10.30
